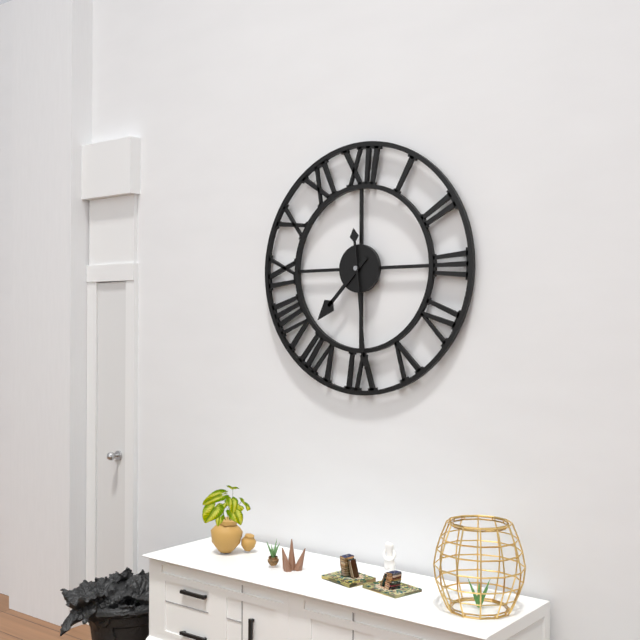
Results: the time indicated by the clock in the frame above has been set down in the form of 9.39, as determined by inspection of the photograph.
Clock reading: 7.29
